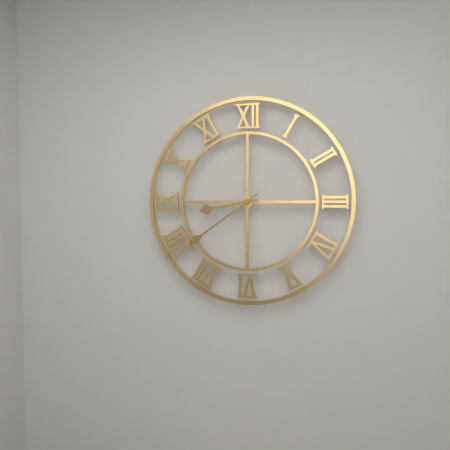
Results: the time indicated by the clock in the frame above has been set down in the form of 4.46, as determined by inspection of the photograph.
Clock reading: 8.39
